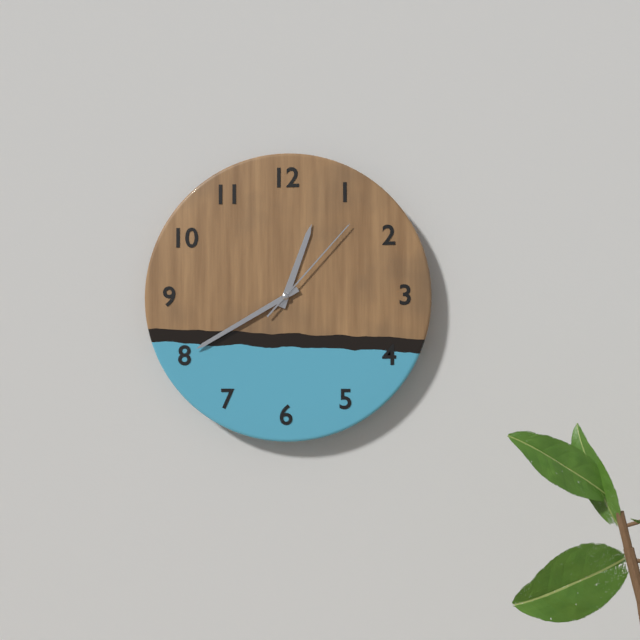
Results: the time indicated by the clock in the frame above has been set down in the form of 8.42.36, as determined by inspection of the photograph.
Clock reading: 12.40.07
